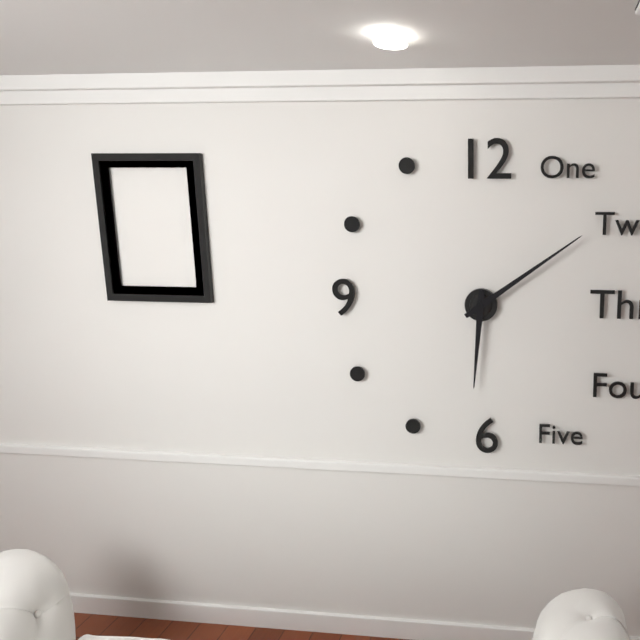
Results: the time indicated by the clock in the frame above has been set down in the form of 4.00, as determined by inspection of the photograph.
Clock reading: 6.09
